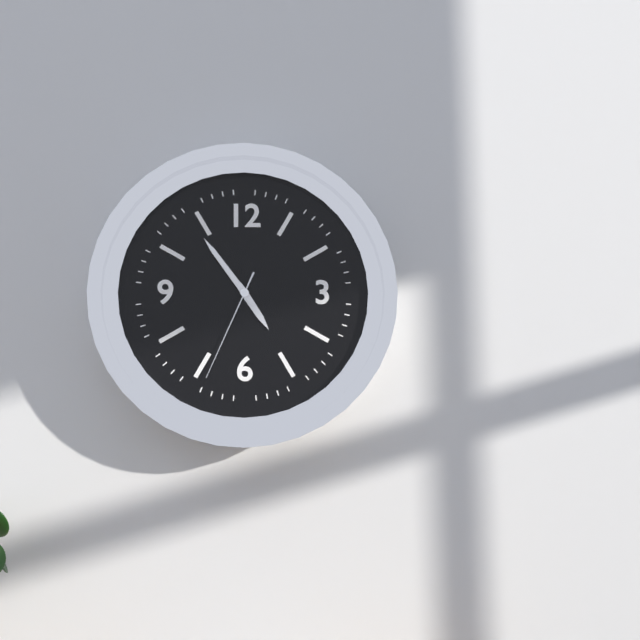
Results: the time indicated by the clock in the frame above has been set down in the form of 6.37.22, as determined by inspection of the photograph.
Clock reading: 4.54.34
